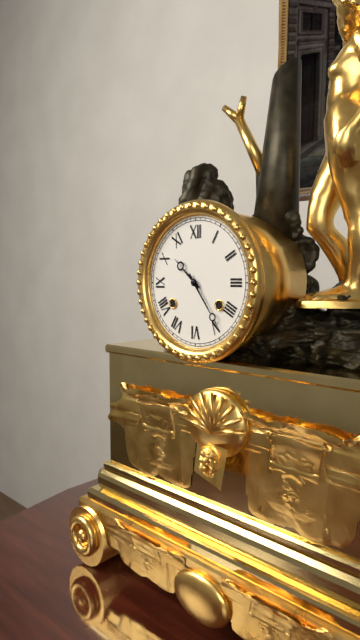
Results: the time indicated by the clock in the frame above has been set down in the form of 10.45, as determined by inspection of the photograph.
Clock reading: 10.24
